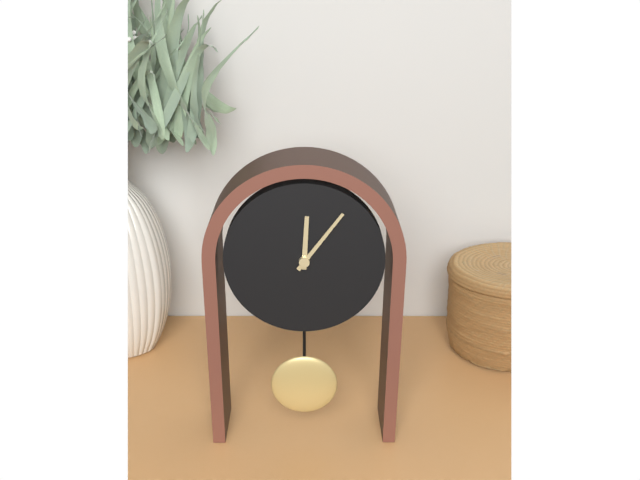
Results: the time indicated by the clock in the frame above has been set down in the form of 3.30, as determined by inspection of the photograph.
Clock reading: 12.06
